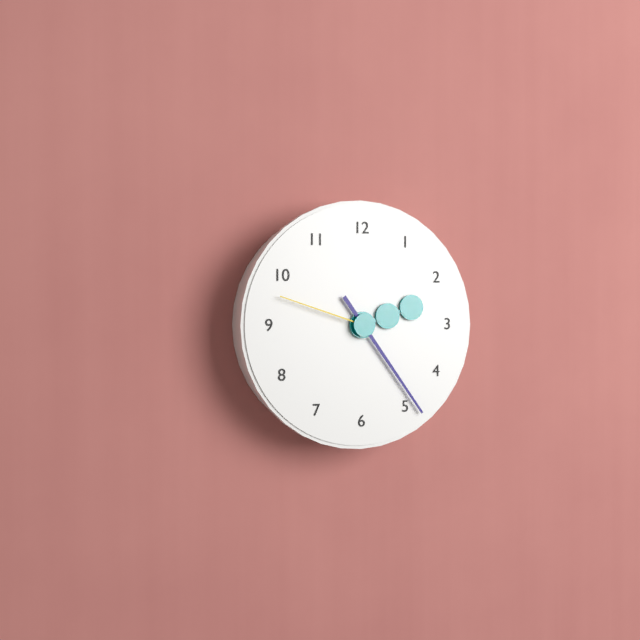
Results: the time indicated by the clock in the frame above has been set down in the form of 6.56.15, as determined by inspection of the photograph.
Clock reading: 2.24.48
